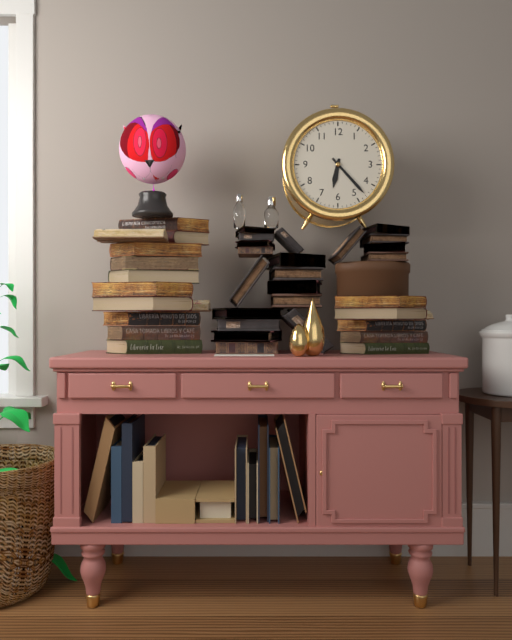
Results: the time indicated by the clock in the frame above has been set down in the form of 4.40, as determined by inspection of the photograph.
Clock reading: 6.23
